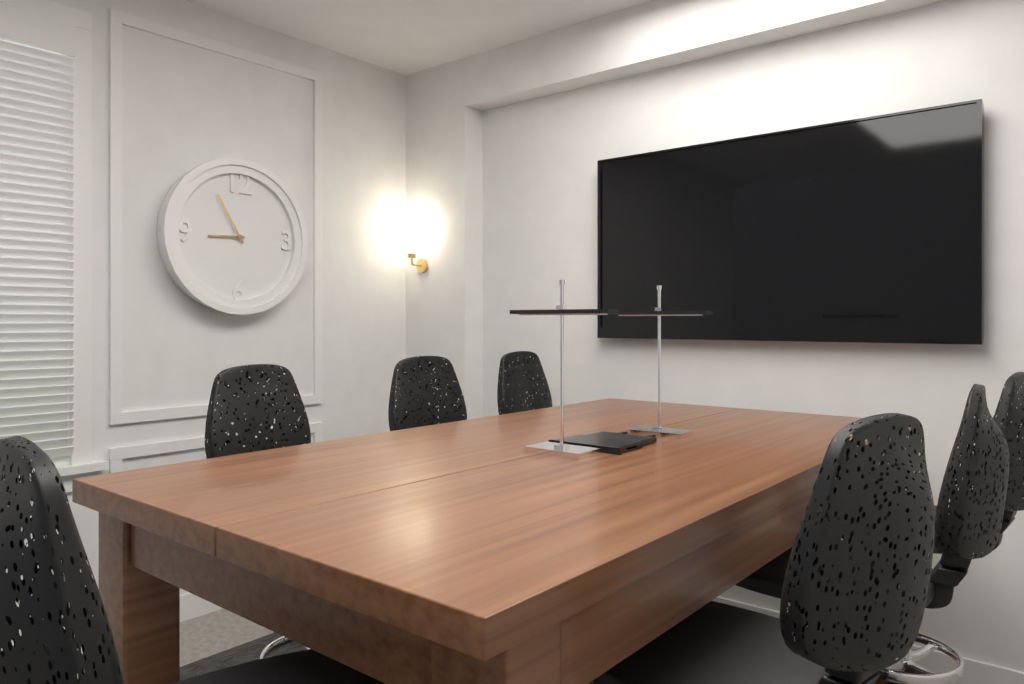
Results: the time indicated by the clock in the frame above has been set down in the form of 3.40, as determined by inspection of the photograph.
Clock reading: 8.55
